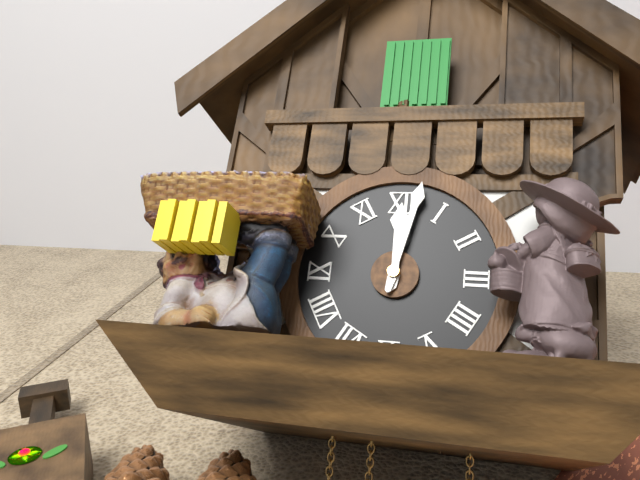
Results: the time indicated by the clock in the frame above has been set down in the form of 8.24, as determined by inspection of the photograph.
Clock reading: 12.02
